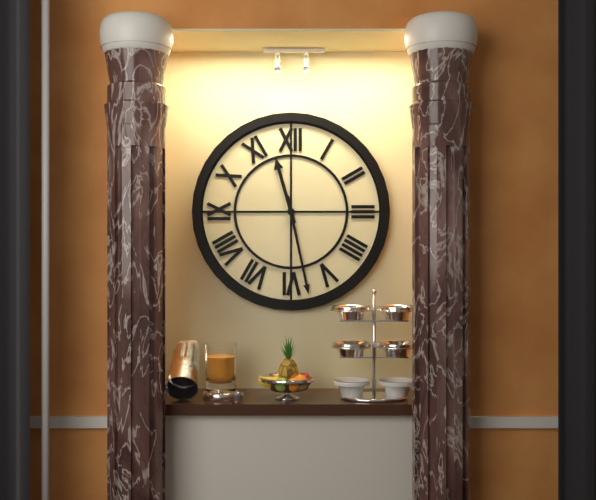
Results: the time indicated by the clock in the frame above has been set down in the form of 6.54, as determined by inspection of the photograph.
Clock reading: 11.28
